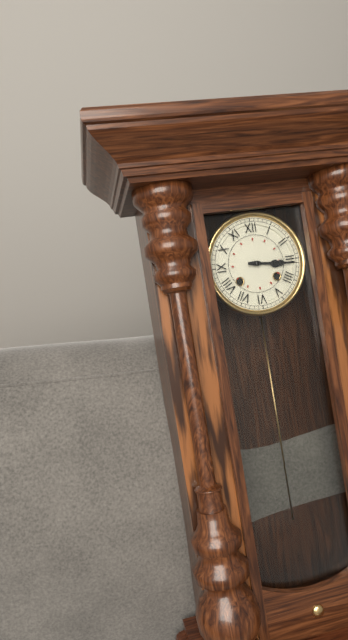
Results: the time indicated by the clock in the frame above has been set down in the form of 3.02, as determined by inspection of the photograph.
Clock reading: 3.16
